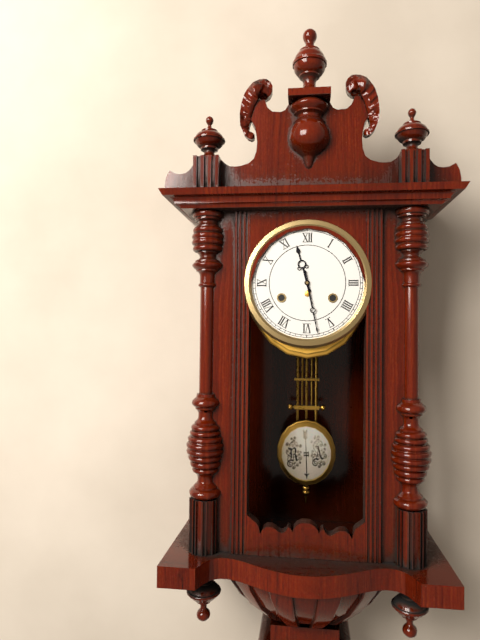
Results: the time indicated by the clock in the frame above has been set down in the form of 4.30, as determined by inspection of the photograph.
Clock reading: 11.28
